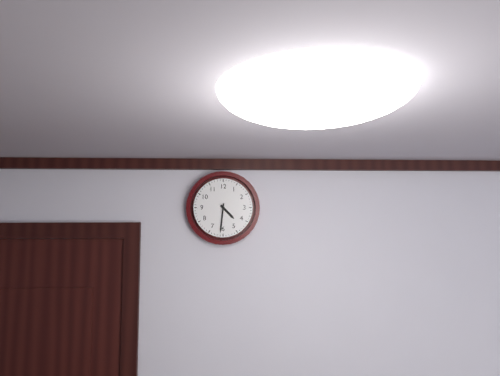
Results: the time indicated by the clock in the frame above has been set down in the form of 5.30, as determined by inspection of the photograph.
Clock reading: 4.31
